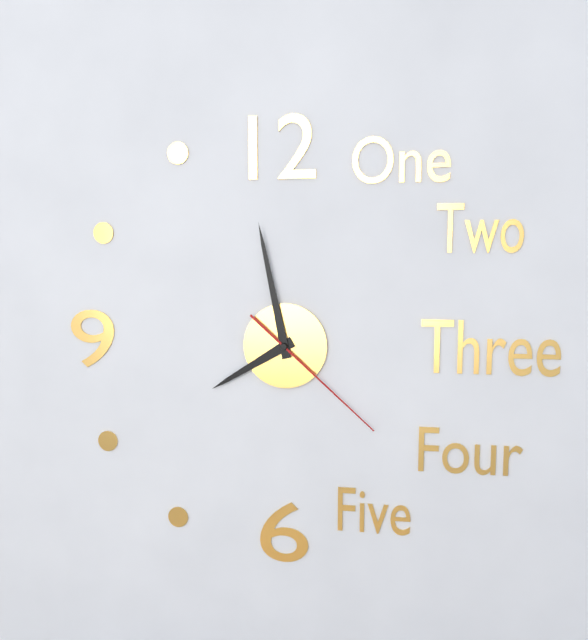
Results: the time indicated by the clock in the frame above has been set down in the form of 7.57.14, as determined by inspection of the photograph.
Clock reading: 7.58.22
